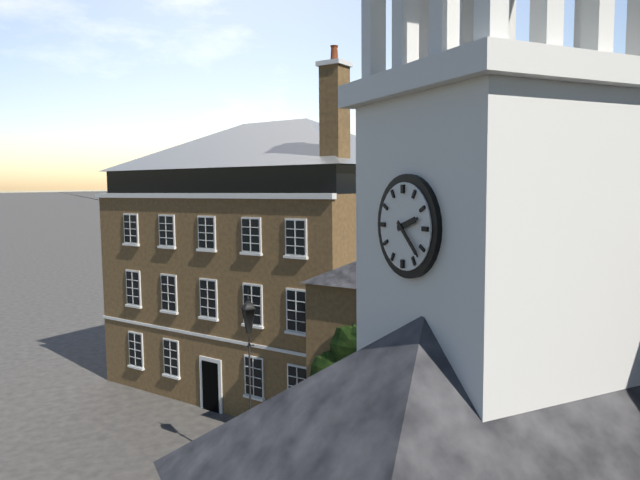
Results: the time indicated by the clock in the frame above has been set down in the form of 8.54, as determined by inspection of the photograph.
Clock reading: 2.22
